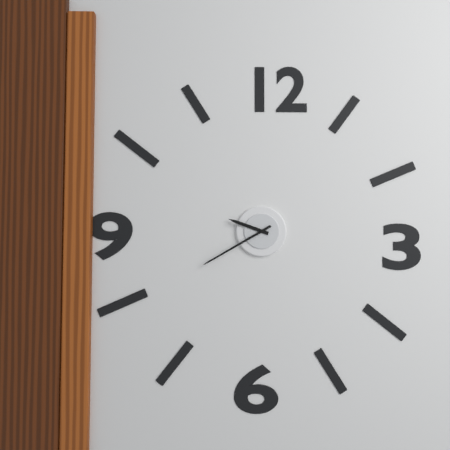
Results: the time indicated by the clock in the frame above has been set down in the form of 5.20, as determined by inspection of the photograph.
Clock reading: 9.40
